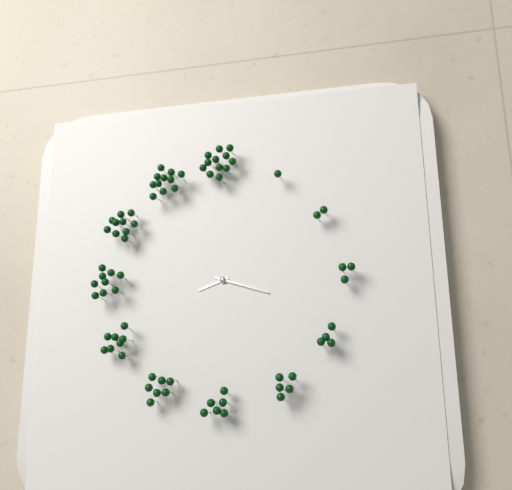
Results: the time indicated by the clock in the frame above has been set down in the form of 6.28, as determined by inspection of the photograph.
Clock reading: 8.18
